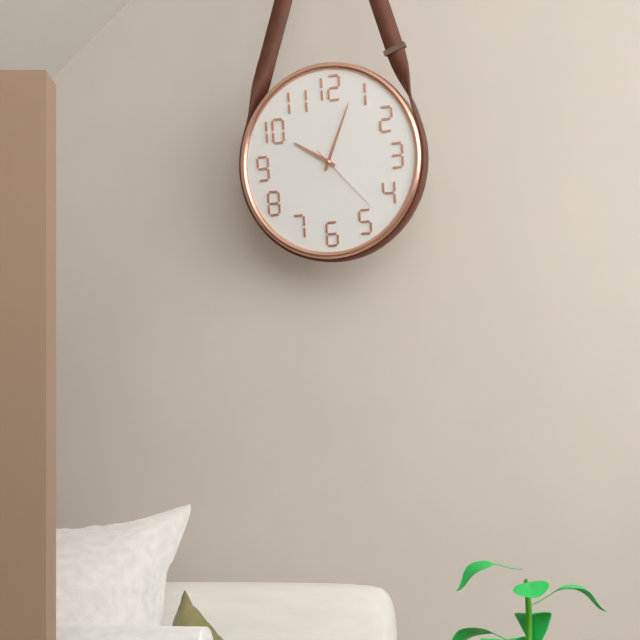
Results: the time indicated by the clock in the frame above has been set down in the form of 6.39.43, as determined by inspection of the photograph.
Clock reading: 10.04.23
